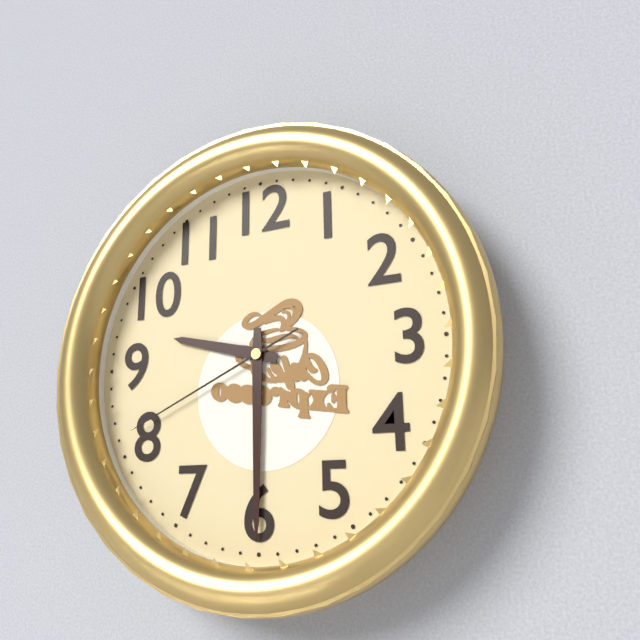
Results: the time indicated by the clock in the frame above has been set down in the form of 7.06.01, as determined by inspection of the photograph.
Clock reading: 9.30.41
